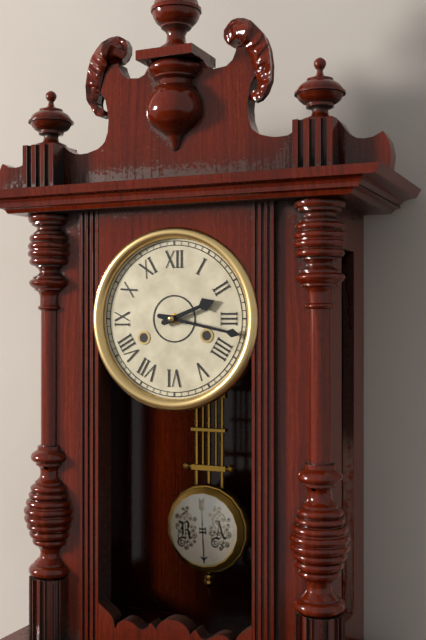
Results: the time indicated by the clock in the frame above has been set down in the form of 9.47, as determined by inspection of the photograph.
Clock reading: 2.17
